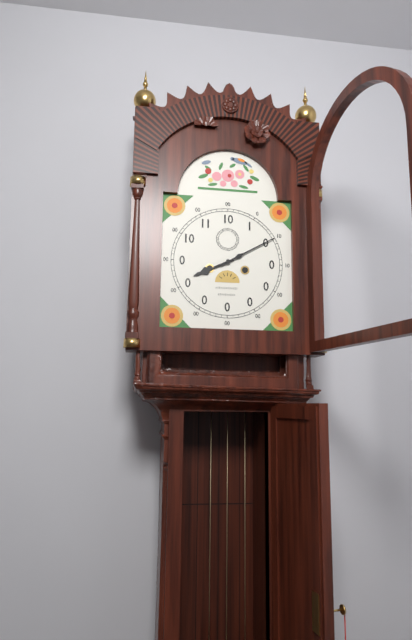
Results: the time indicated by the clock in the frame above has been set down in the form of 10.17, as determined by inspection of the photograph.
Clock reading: 8.10
